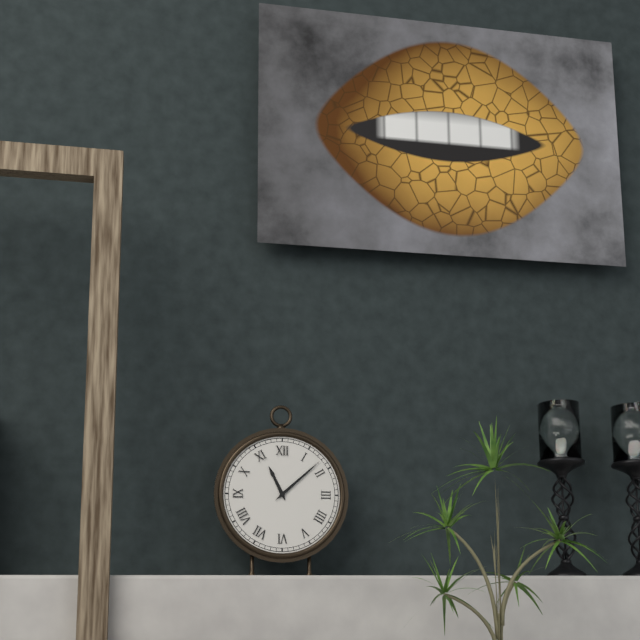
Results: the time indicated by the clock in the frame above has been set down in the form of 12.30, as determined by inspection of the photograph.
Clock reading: 11.08
